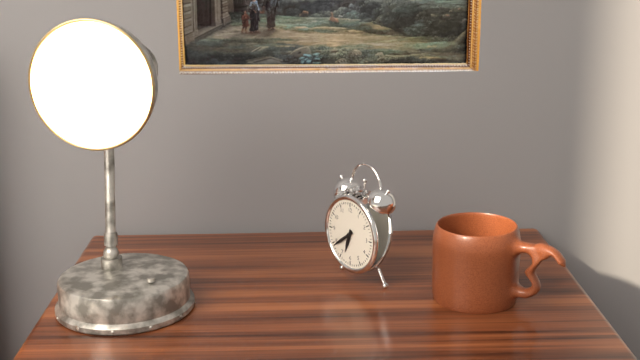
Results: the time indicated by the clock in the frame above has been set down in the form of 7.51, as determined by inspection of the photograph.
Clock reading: 6.39
